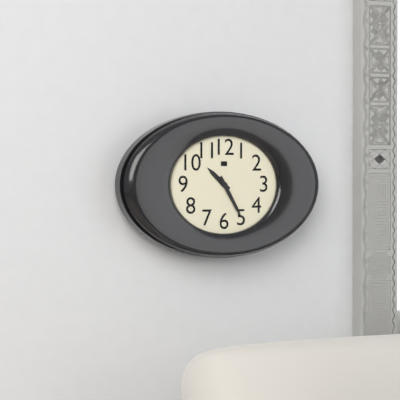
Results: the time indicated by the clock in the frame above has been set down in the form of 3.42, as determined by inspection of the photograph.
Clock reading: 10.25
